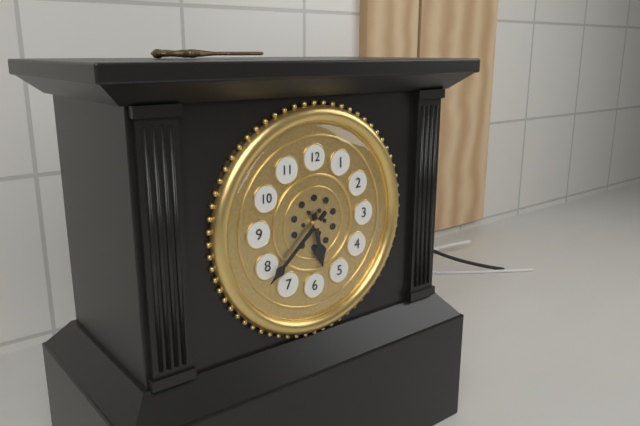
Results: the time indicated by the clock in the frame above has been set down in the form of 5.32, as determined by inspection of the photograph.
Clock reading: 5.38
